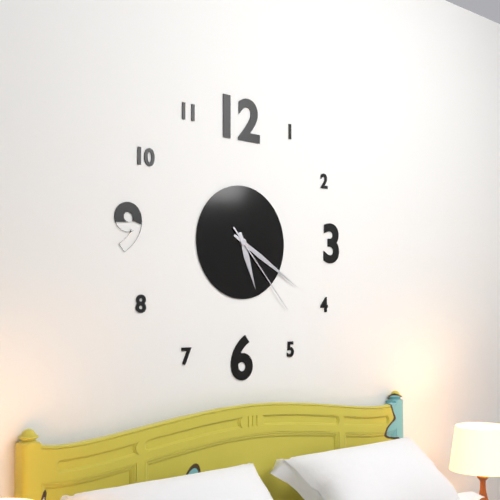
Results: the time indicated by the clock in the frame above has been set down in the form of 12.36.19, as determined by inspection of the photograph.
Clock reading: 5.20.23
